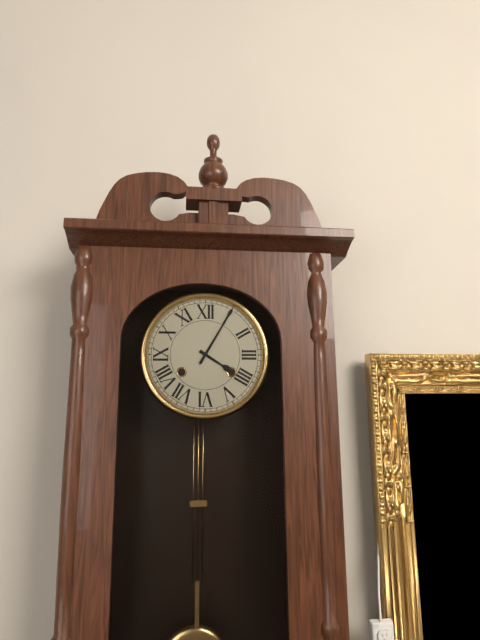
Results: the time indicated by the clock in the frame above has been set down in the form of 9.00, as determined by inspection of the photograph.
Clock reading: 4.05
